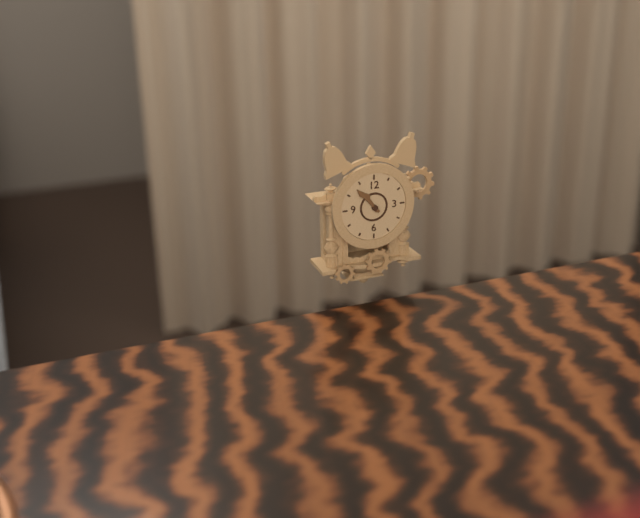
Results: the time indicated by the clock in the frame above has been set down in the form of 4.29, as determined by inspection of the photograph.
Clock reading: 10.53
